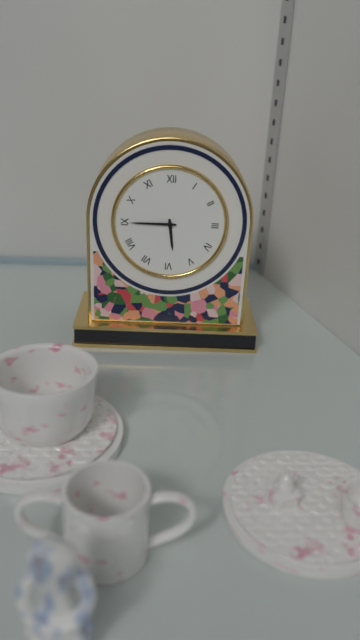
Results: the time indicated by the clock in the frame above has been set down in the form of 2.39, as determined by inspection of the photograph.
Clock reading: 5.45
